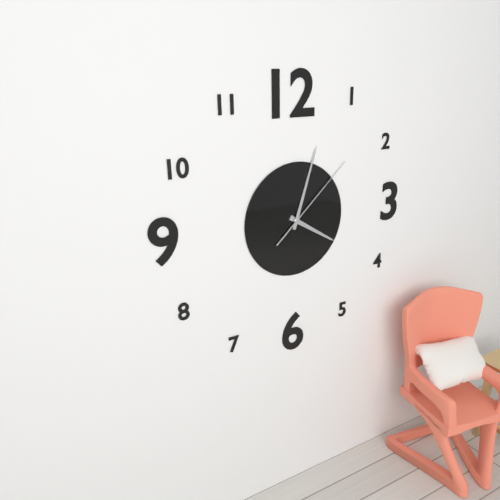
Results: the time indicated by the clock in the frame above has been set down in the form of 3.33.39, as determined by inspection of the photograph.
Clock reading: 4.03.08
